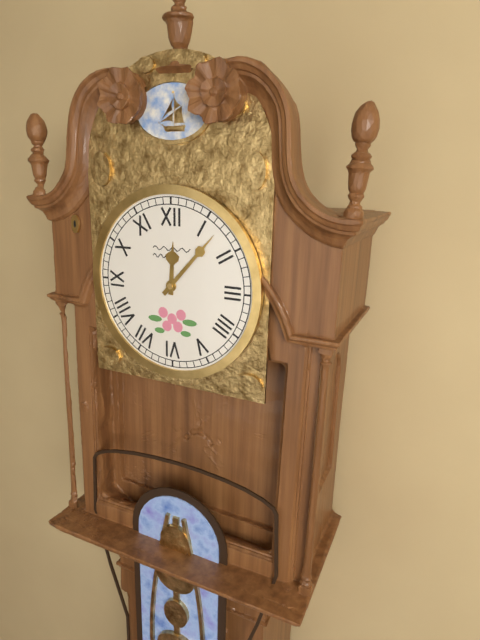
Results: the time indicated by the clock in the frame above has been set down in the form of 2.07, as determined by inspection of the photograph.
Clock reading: 12.07
